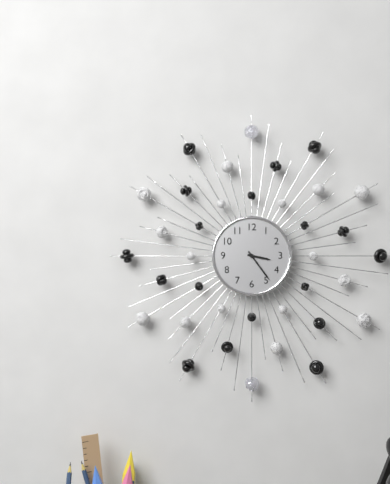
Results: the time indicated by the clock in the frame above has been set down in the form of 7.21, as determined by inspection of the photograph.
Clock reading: 3.24
